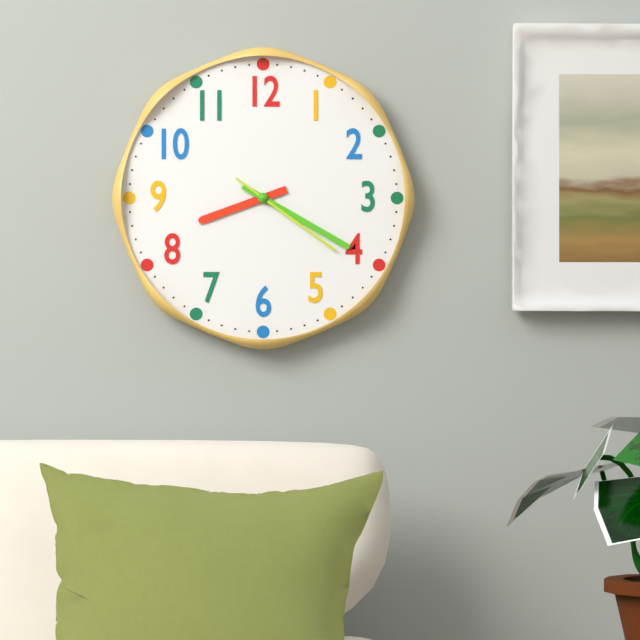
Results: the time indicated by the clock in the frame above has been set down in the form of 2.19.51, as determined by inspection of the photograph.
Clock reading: 8.20.21
